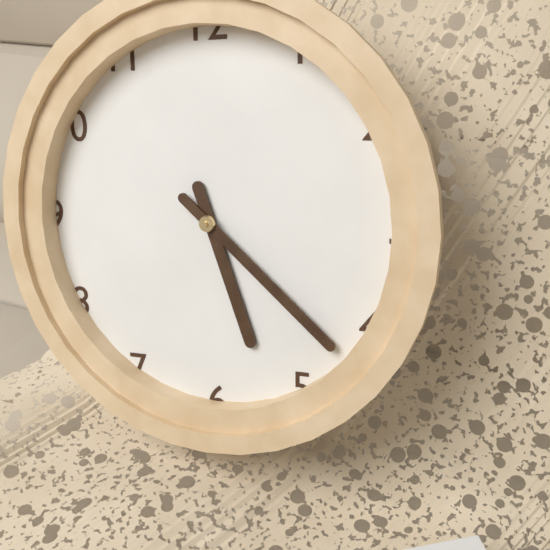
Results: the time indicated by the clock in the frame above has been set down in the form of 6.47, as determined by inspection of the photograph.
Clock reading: 5.22
